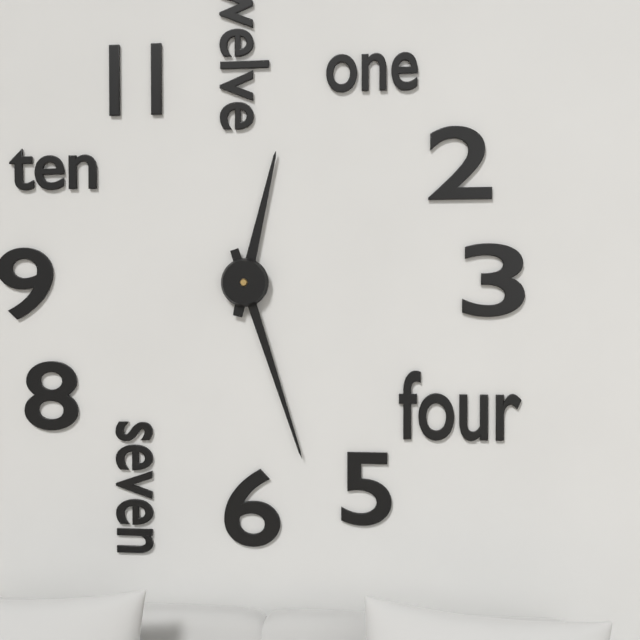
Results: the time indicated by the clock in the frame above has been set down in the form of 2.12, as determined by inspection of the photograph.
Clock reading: 12.27
